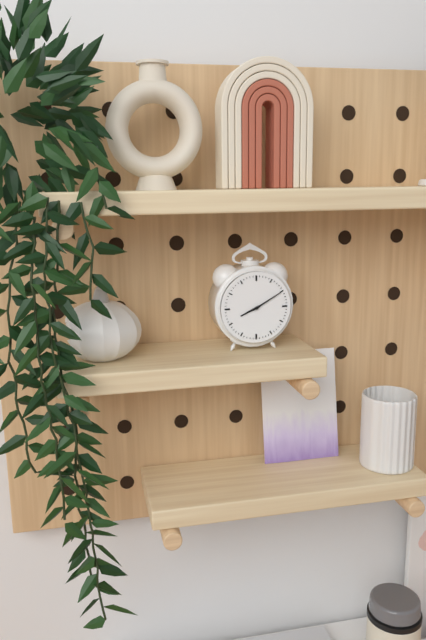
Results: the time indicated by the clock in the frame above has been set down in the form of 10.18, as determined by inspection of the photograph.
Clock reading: 8.10
